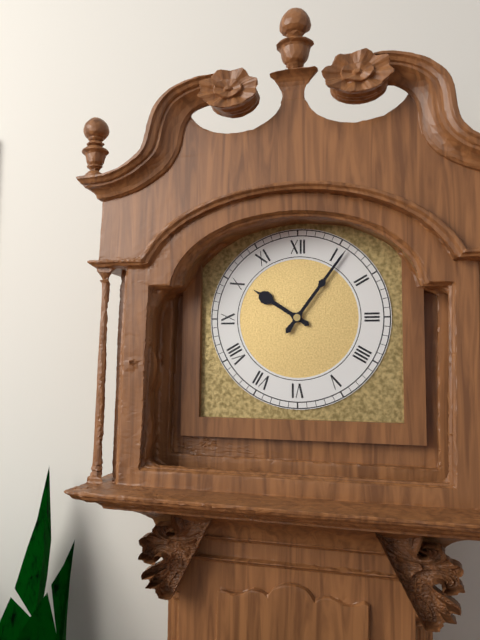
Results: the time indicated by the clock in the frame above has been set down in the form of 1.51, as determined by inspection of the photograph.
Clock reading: 10.06
